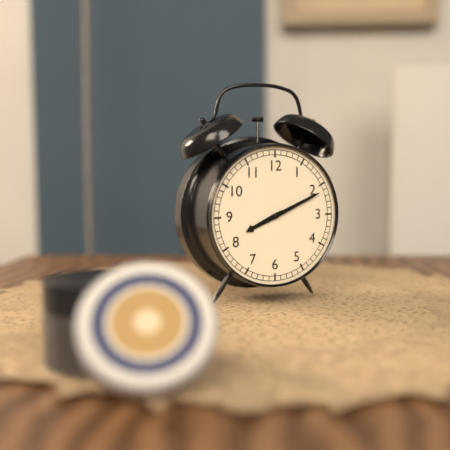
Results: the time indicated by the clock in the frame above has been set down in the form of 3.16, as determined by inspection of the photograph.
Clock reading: 8.11
